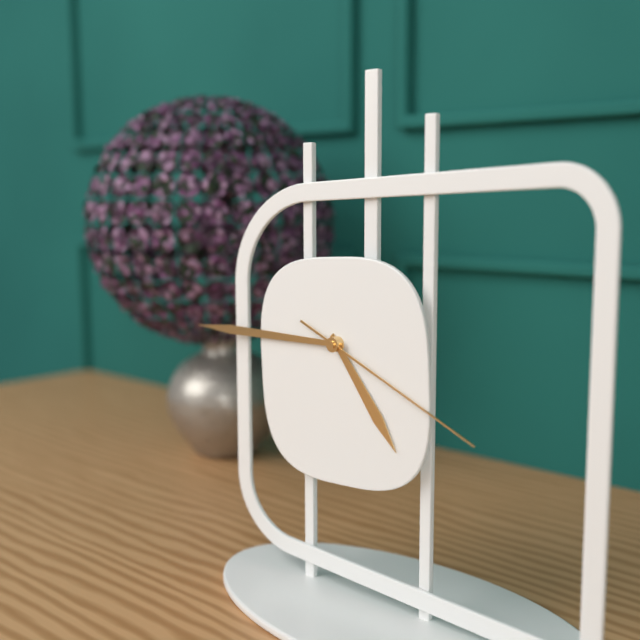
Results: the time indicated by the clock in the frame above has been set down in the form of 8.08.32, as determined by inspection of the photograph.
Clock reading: 4.45.19
